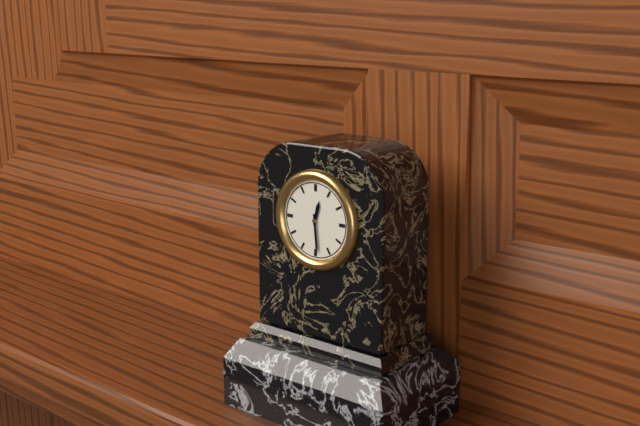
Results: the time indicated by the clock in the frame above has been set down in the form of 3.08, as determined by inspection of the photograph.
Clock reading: 12.29
